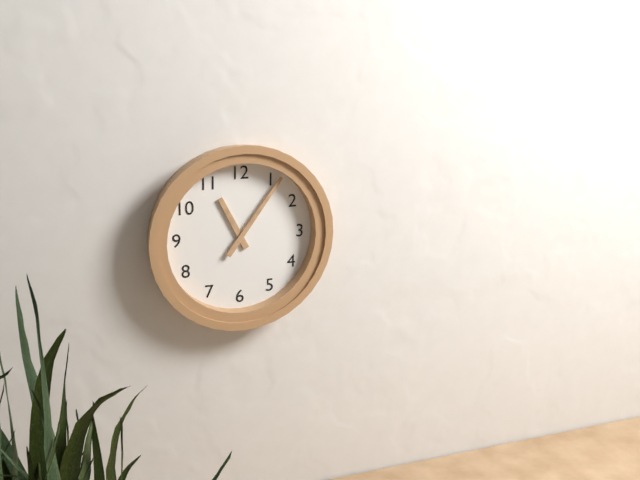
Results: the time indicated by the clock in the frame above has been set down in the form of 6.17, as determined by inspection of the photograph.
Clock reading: 11.06
